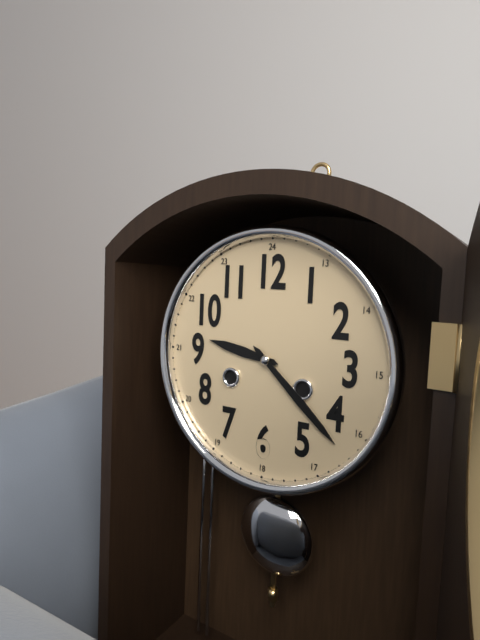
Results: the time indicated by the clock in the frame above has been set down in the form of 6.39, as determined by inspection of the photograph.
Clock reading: 9.22
